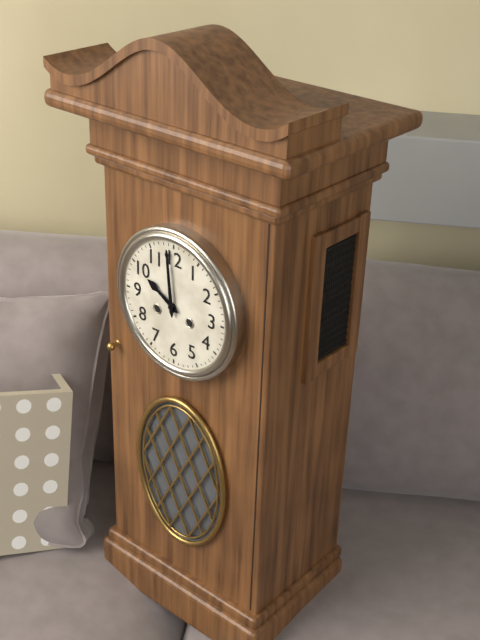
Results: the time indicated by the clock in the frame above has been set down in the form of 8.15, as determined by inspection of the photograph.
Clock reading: 9.59
